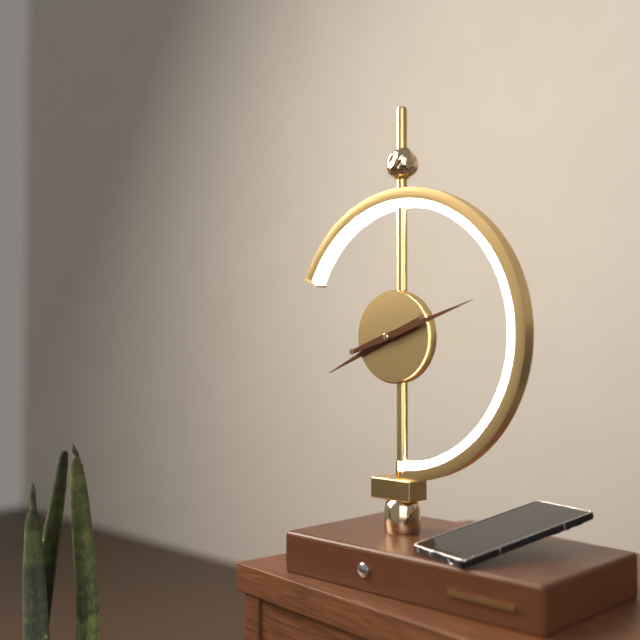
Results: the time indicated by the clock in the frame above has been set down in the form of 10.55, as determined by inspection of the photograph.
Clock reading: 8.12
